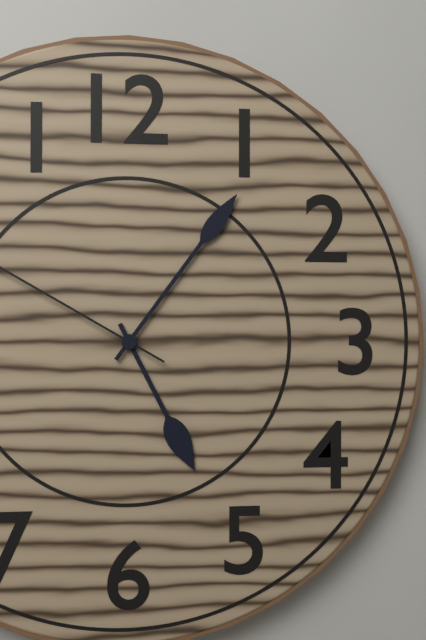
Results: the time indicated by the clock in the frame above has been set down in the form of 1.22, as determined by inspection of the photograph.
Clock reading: 5.06
